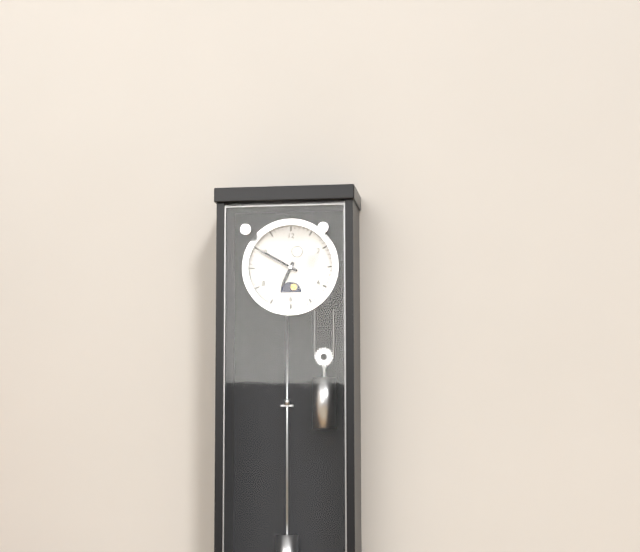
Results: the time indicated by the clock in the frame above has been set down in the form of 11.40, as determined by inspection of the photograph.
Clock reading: 6.50
